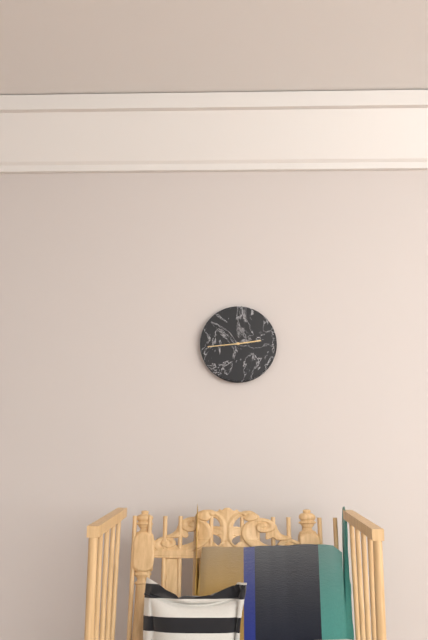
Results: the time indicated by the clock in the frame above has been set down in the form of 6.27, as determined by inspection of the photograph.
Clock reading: 2.44
